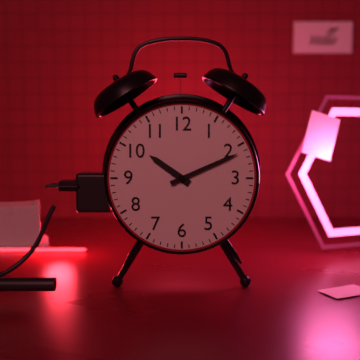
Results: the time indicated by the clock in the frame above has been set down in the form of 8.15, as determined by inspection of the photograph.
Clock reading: 10.11
